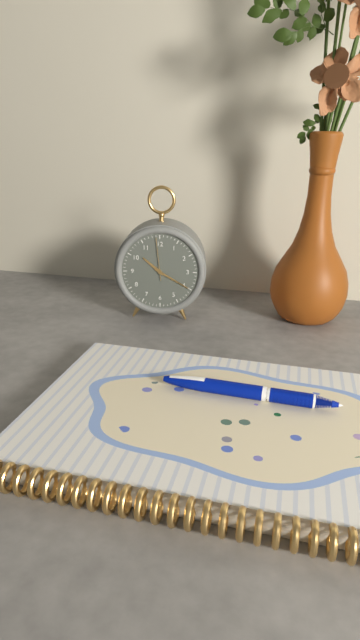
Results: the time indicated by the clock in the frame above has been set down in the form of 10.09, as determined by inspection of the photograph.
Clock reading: 10.20
